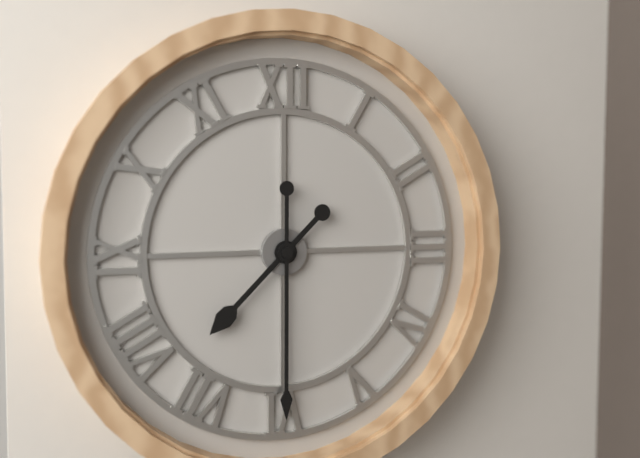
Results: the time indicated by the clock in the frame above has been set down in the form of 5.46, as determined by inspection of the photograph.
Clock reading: 7.30
